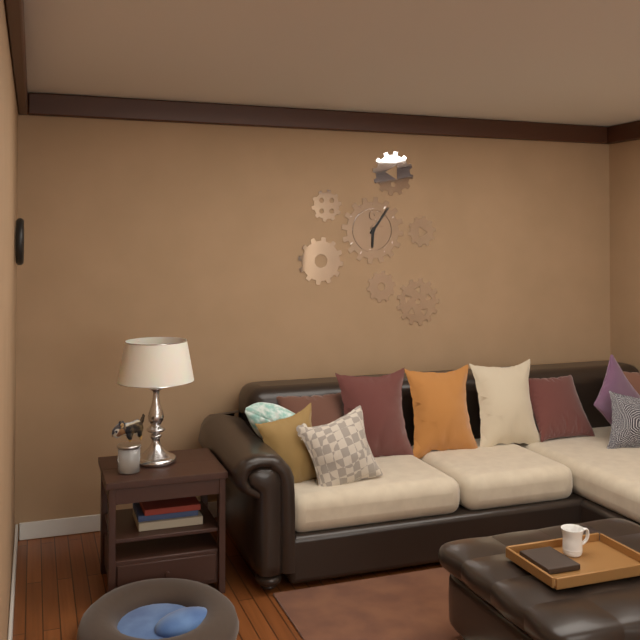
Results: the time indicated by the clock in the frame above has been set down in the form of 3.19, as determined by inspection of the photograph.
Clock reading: 6.06
